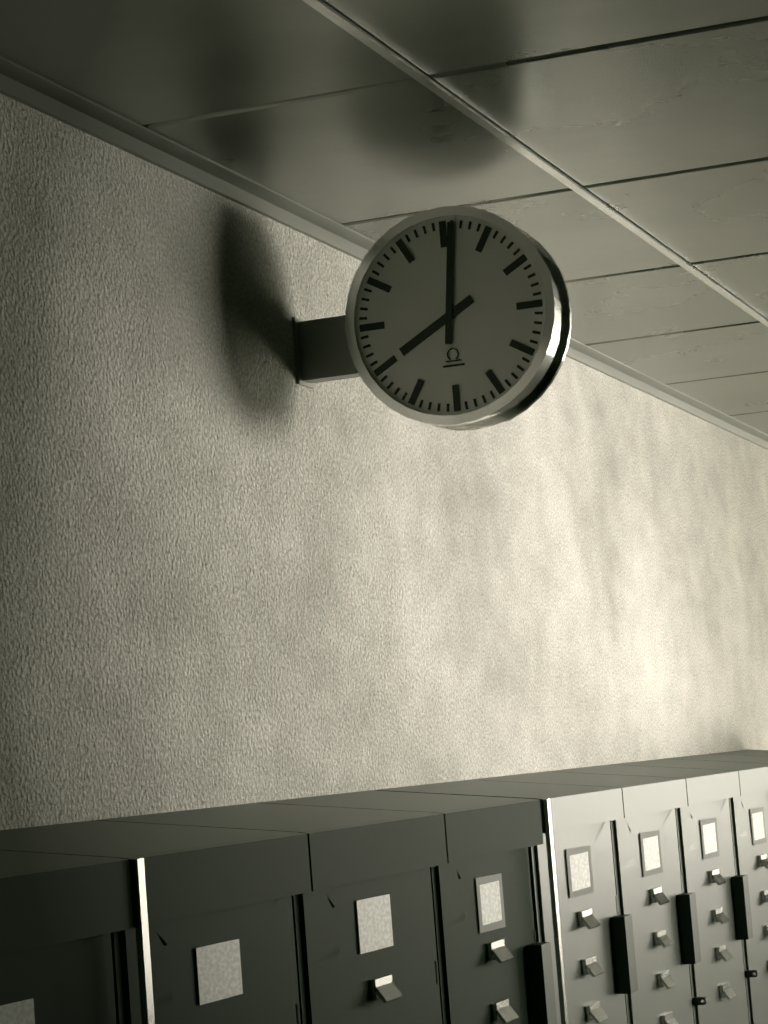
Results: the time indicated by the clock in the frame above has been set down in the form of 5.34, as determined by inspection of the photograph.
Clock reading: 8.01
